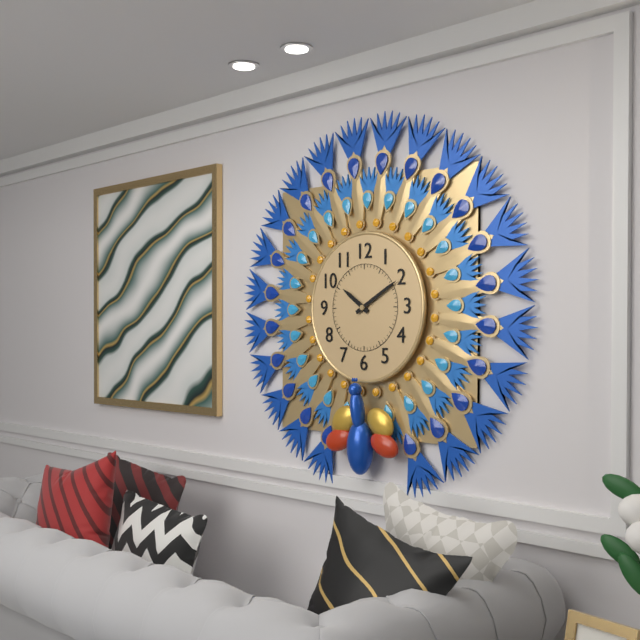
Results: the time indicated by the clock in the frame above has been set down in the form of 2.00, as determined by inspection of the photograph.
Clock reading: 10.10
